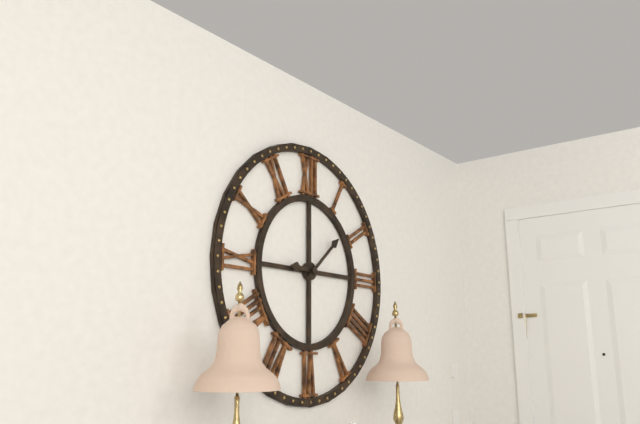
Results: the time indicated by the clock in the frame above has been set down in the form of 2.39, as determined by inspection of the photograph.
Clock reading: 9.08
